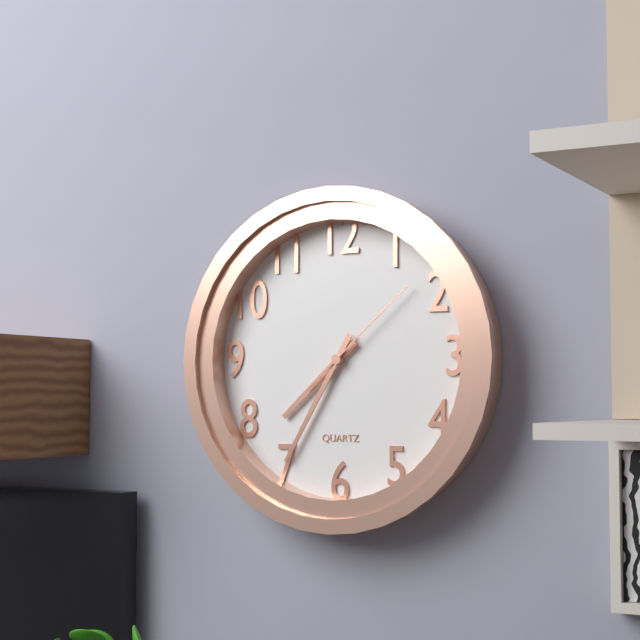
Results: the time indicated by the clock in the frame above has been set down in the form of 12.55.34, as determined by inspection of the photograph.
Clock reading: 7.35.08
